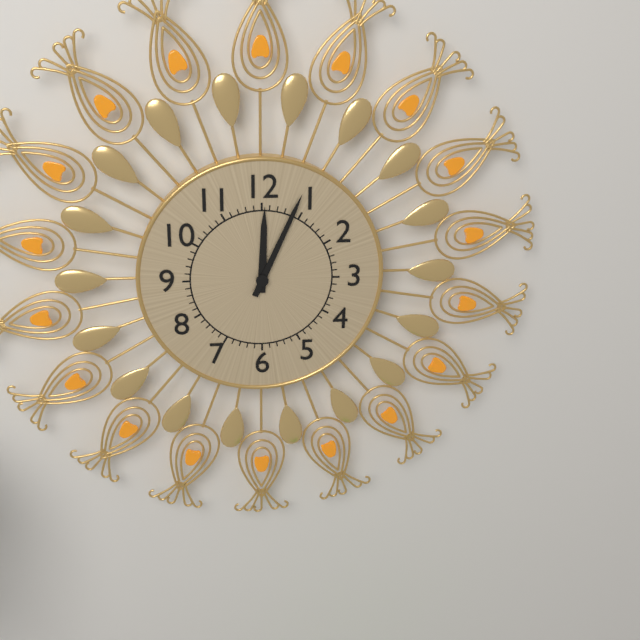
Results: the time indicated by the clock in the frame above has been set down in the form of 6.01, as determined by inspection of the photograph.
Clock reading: 12.04
